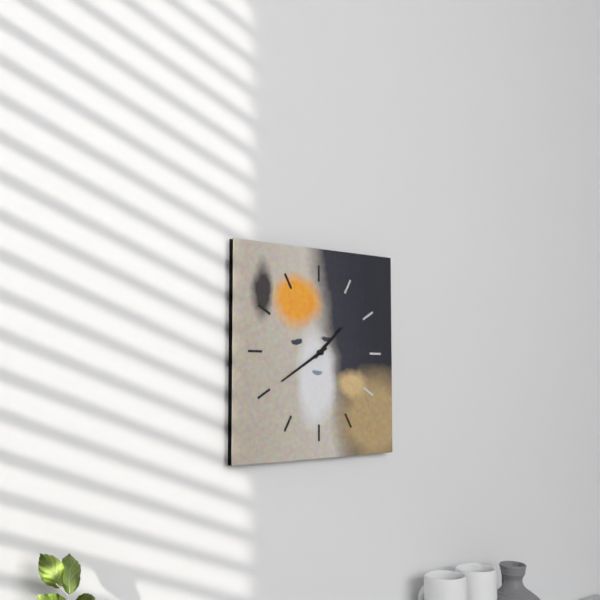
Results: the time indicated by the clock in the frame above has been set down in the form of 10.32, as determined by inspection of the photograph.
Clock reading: 1.40
